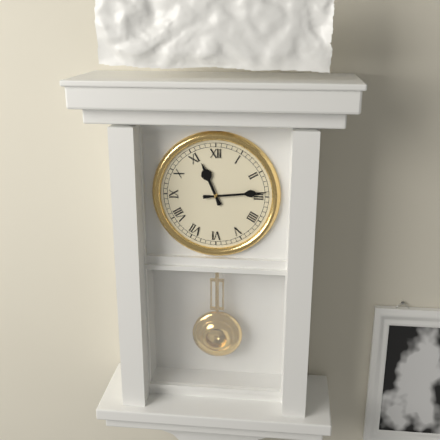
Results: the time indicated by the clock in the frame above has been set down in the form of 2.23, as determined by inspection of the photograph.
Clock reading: 11.14
